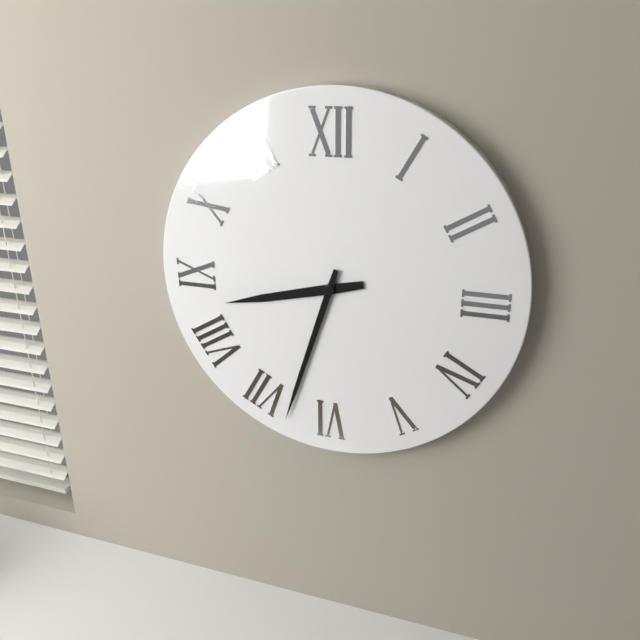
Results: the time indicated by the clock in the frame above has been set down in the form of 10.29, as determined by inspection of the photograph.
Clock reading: 8.33
